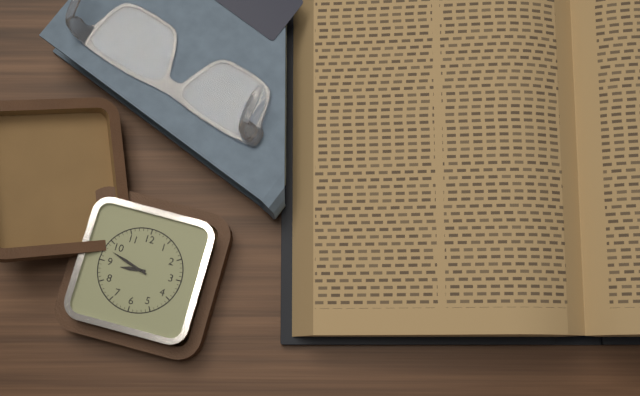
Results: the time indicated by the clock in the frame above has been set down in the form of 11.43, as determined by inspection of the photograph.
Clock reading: 8.48
